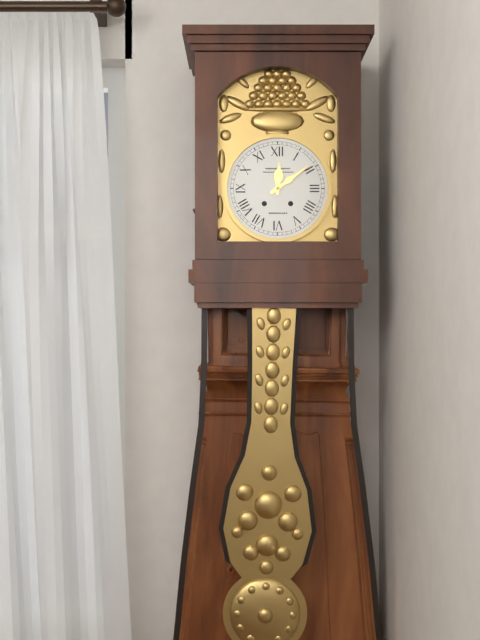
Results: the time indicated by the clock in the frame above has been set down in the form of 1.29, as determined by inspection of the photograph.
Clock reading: 12.09
